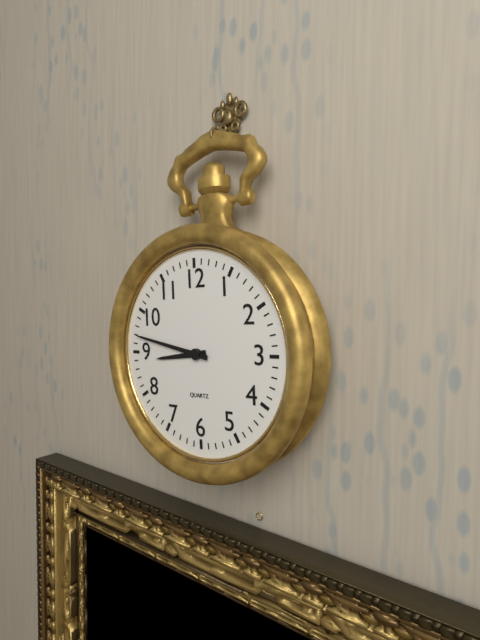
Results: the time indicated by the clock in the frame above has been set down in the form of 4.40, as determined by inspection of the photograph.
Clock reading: 8.47
